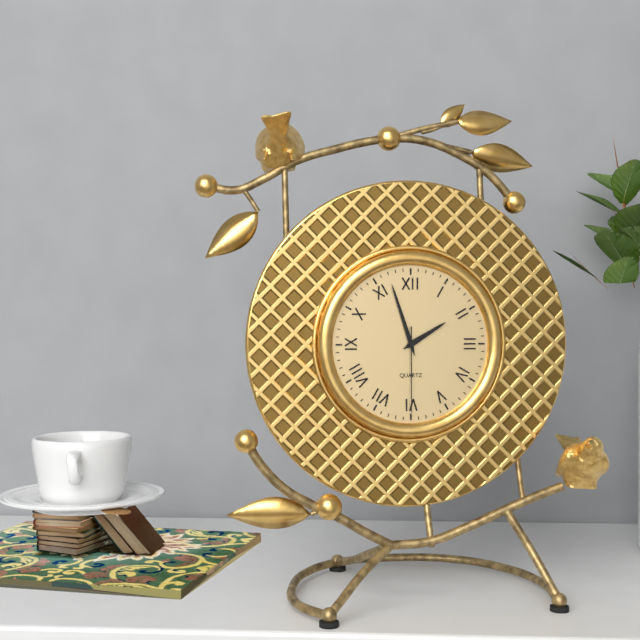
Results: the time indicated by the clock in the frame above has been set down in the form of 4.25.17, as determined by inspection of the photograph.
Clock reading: 1.57.30
